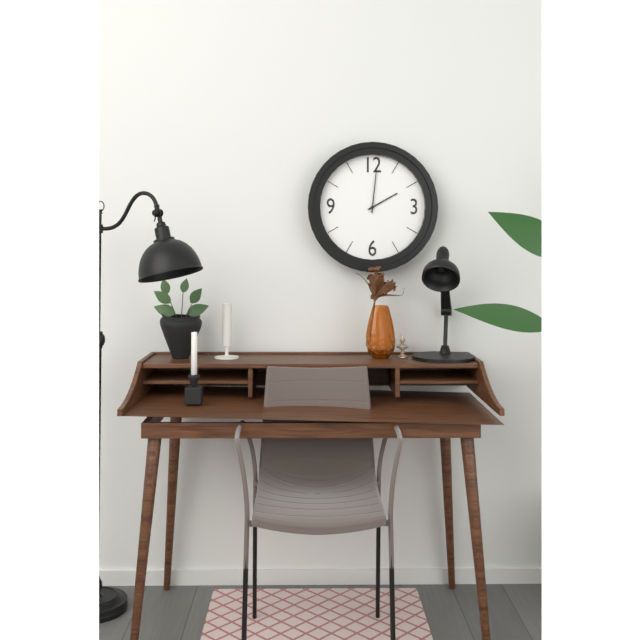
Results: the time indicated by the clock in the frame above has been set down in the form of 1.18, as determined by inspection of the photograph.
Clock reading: 2.01
